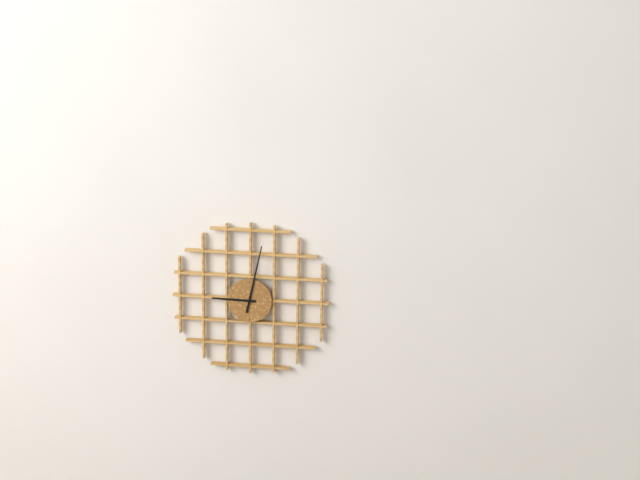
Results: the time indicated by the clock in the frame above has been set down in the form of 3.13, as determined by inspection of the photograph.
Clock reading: 9.02
